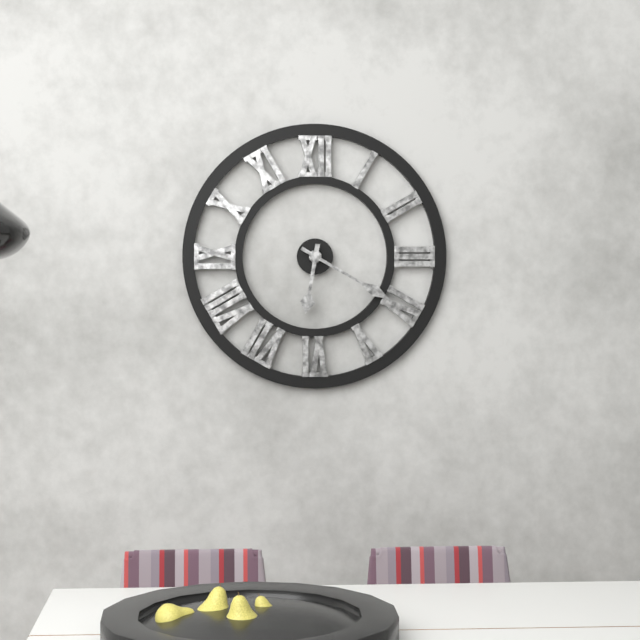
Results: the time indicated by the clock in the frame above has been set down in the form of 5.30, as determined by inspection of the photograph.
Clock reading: 6.20
